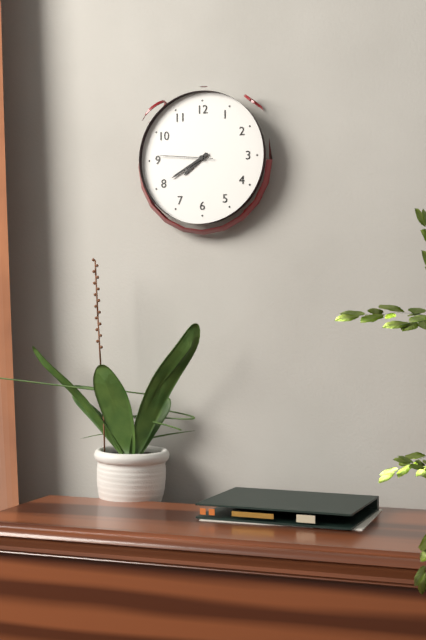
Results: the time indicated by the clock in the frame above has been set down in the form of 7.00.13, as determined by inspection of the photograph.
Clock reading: 7.40.46
